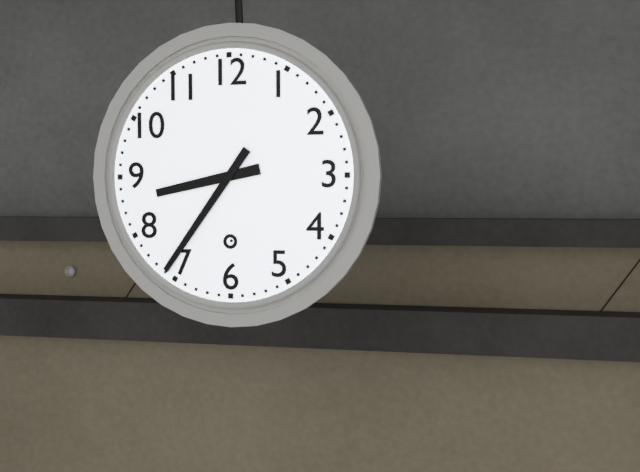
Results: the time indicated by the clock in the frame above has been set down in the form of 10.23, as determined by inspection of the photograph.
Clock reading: 8.36
